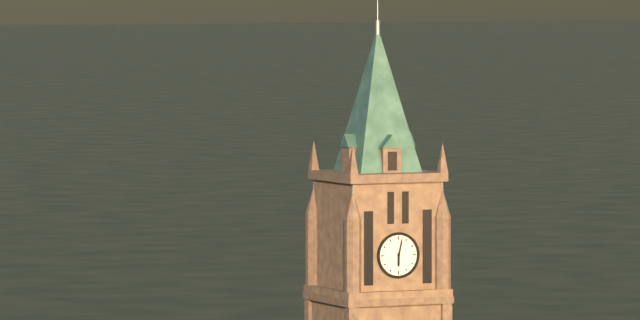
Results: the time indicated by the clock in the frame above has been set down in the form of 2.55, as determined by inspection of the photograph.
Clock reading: 6.02
